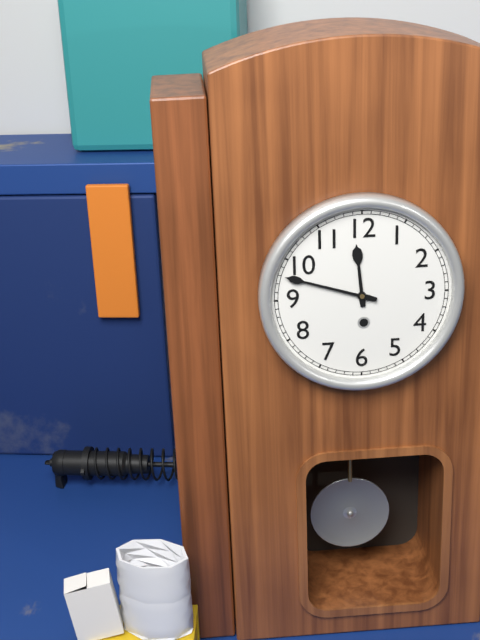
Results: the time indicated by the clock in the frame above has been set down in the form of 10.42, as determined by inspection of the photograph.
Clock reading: 11.48
